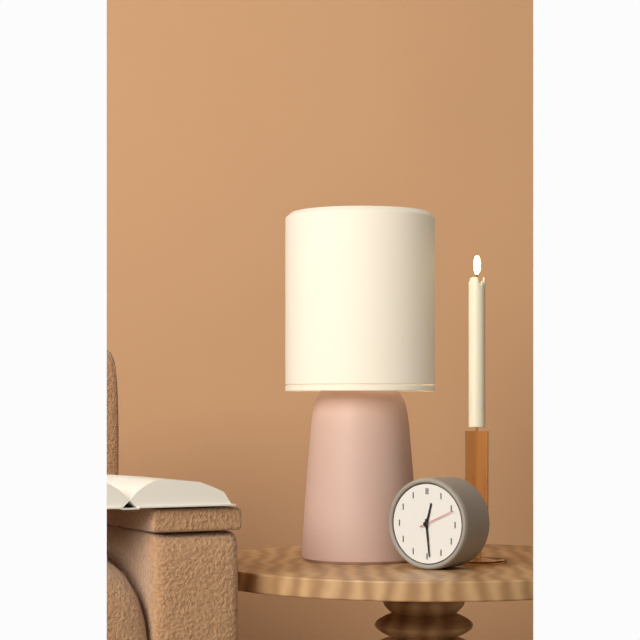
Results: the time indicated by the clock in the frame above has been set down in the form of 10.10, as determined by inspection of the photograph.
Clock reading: 12.29
